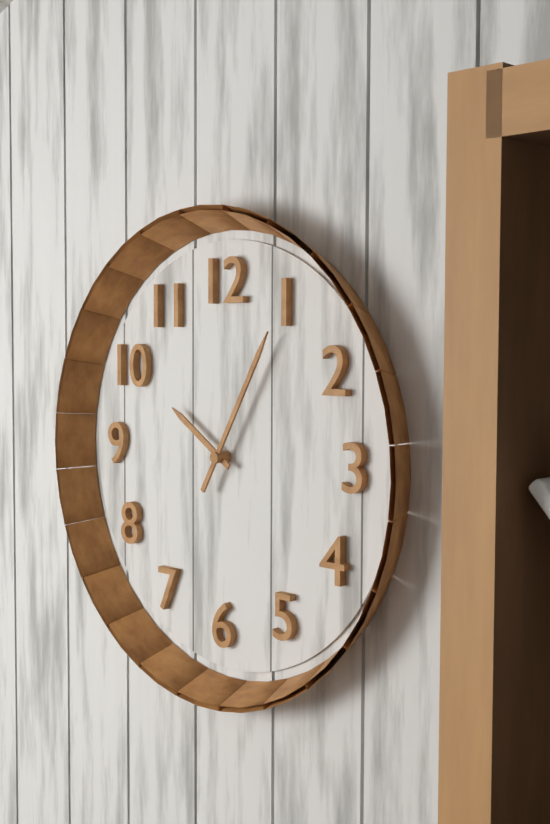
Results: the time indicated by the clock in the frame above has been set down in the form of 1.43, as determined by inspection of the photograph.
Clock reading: 10.05
